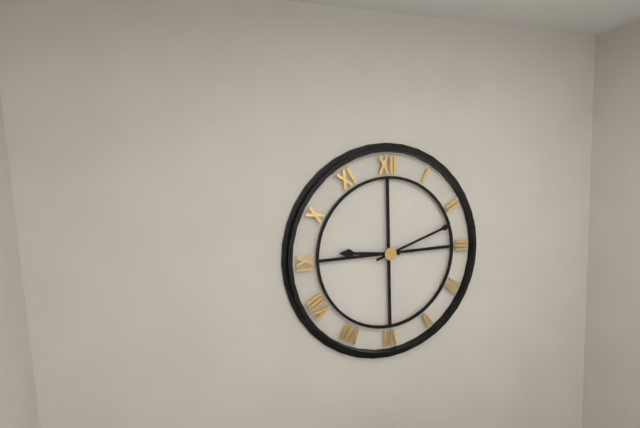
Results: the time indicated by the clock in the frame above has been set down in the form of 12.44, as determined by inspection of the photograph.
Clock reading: 9.12
